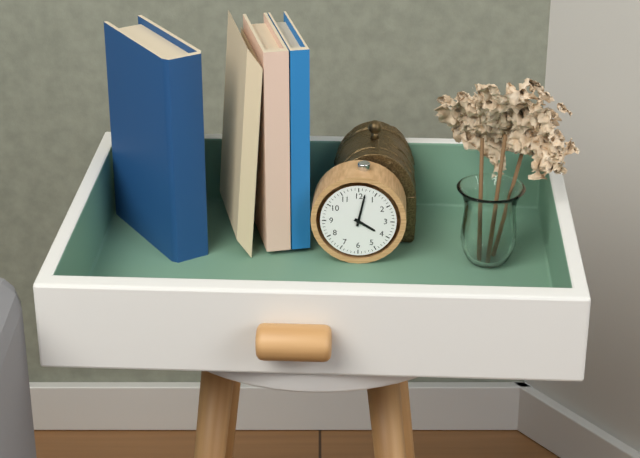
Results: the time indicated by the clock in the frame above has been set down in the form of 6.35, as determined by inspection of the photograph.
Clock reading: 4.02
